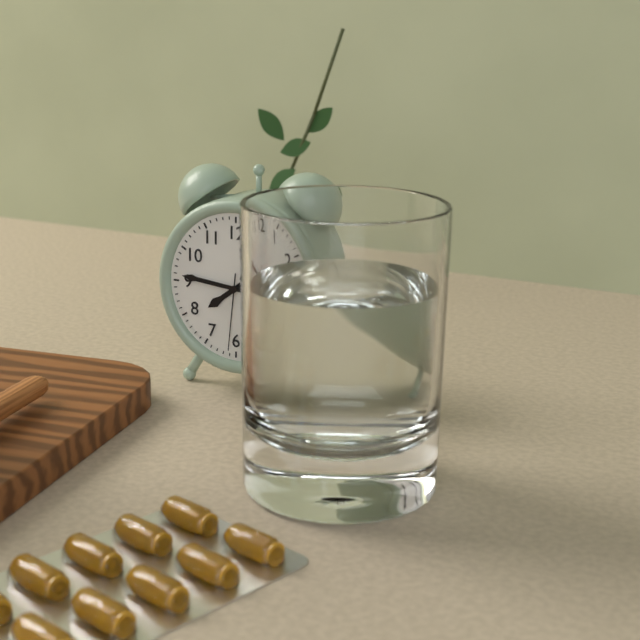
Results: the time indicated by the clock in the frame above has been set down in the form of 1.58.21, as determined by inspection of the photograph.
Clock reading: 7.46.31
